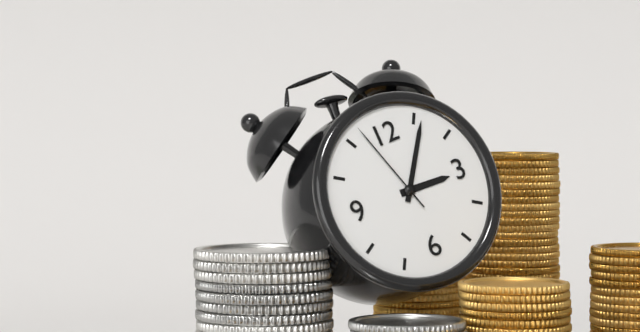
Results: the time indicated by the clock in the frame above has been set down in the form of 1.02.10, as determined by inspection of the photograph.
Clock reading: 3.06.57
